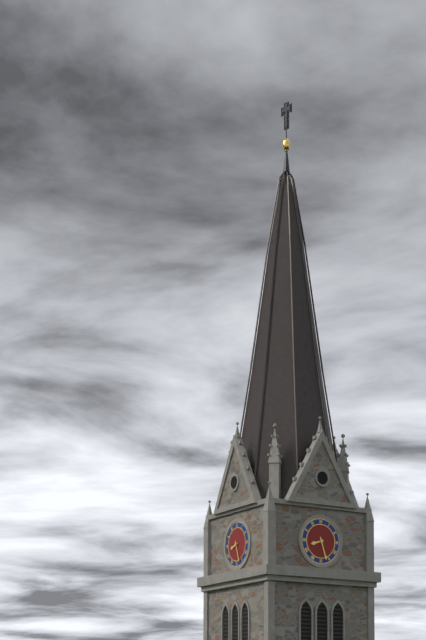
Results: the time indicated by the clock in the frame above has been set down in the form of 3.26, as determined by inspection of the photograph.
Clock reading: 8.27
